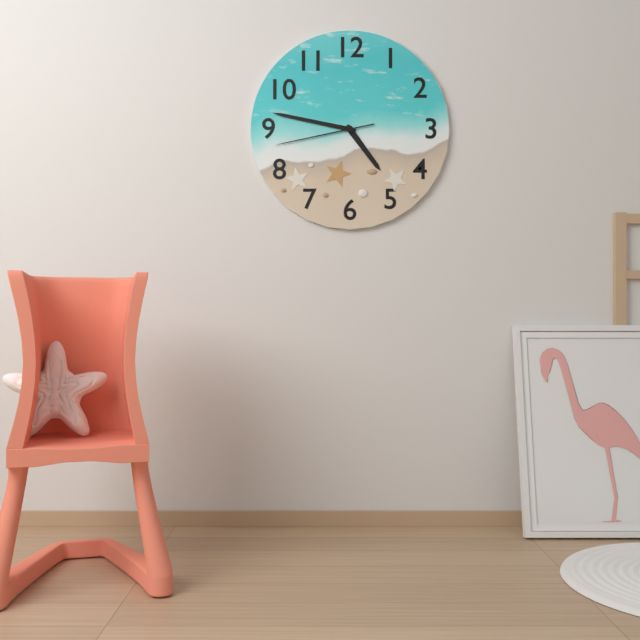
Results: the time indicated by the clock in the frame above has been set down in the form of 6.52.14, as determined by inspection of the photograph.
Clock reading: 4.47.43
